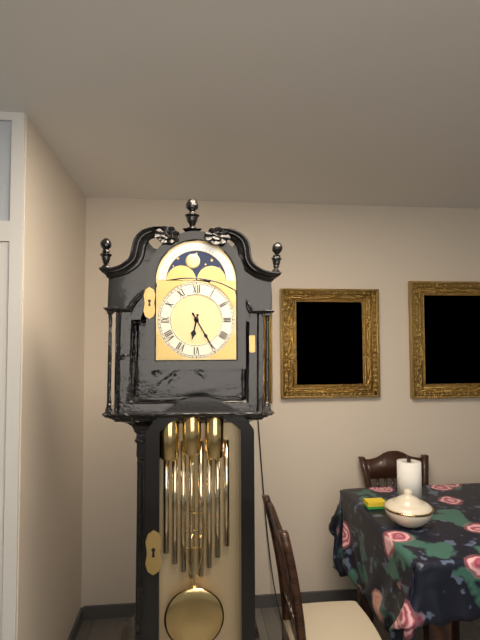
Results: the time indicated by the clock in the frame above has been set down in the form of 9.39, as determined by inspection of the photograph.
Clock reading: 6.25
